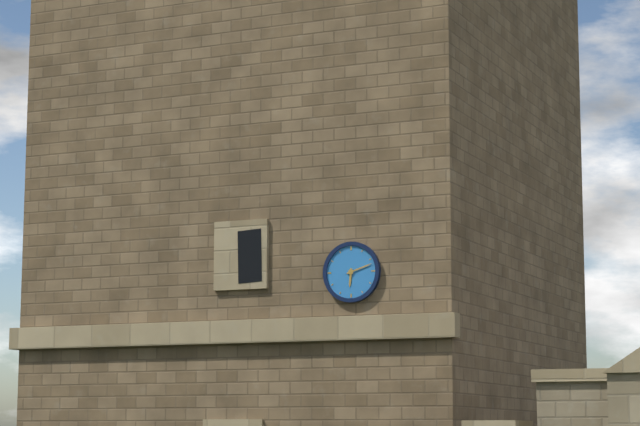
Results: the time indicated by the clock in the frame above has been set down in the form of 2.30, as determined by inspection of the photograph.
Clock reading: 6.12
